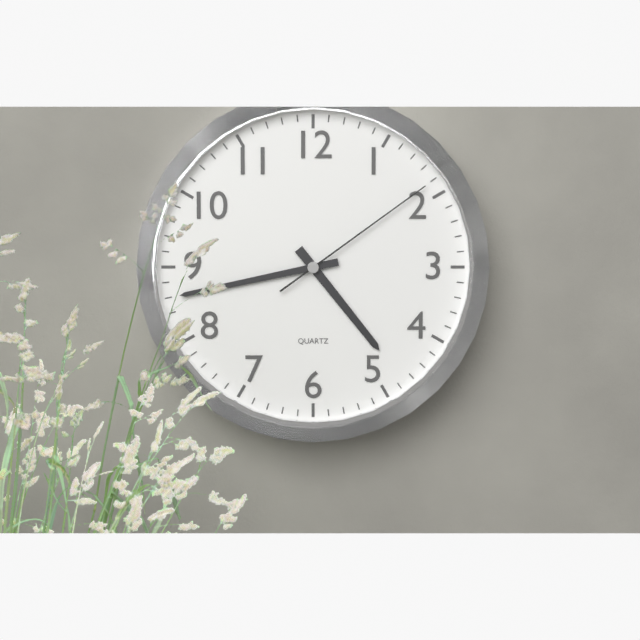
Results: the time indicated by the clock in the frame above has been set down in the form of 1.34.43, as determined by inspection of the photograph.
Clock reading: 4.43.09
